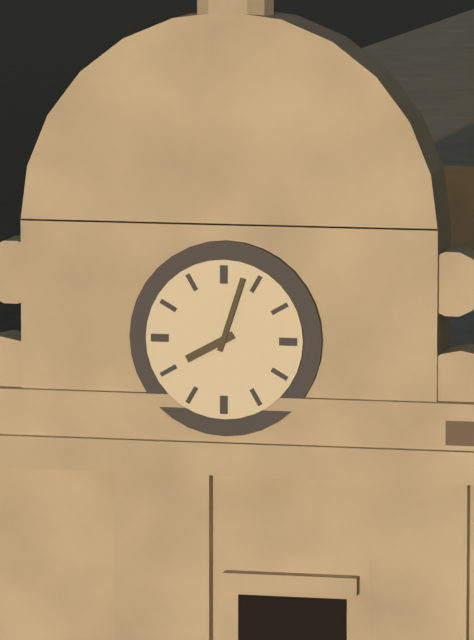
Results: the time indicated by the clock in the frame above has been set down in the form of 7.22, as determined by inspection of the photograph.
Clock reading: 8.03
